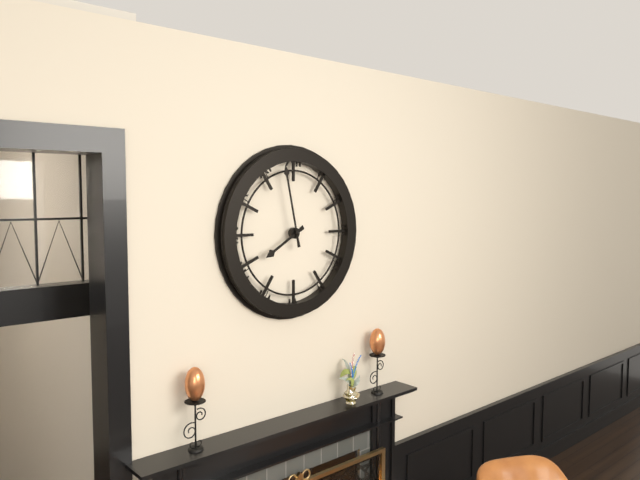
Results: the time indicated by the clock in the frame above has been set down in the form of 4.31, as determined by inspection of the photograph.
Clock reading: 7.58
